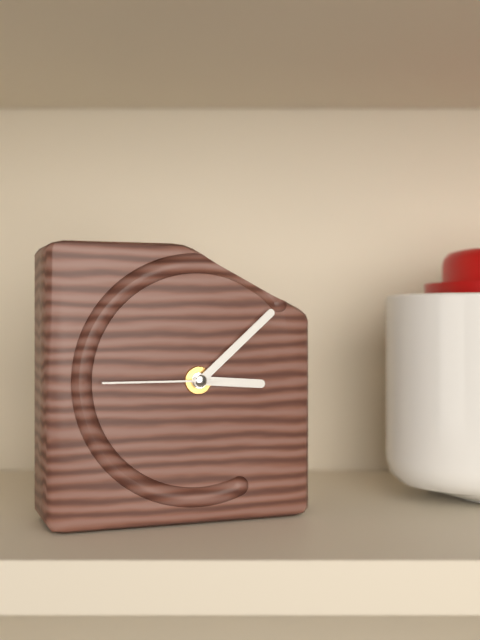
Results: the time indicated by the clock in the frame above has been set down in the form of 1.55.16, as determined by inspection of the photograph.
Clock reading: 3.08.45
